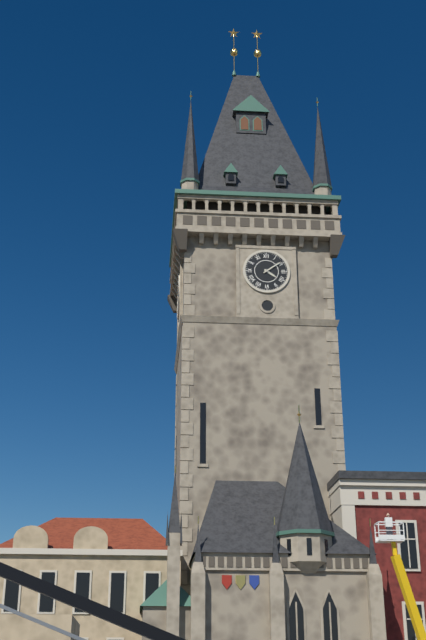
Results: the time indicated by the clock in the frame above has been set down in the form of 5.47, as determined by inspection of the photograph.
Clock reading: 4.09
